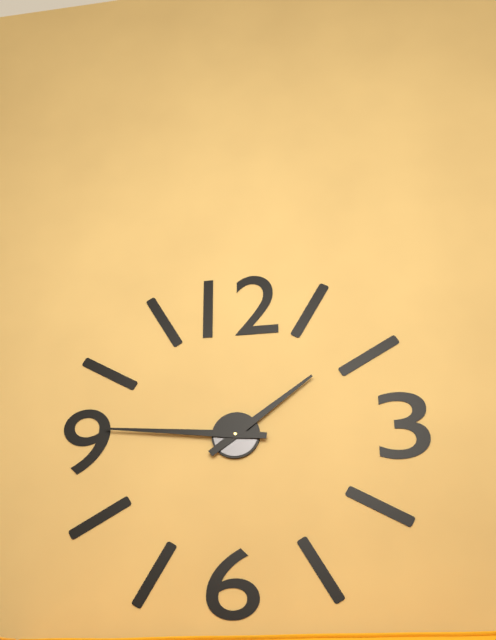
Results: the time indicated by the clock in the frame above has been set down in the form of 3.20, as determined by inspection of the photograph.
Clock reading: 1.46
